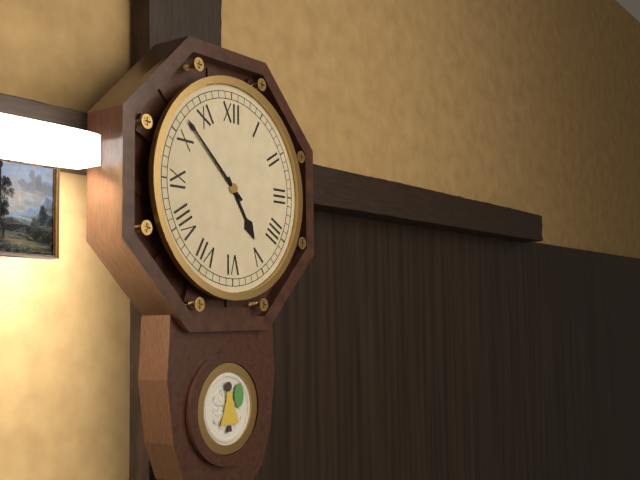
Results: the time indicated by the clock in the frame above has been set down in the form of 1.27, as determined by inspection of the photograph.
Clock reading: 4.52
